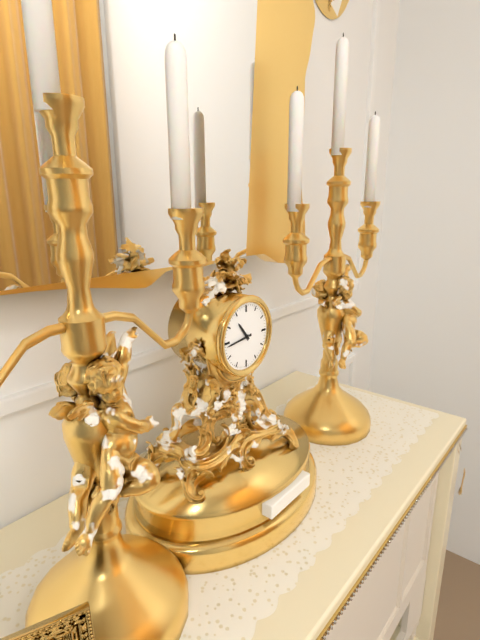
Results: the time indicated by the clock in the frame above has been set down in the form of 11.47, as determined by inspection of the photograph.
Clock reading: 10.44
